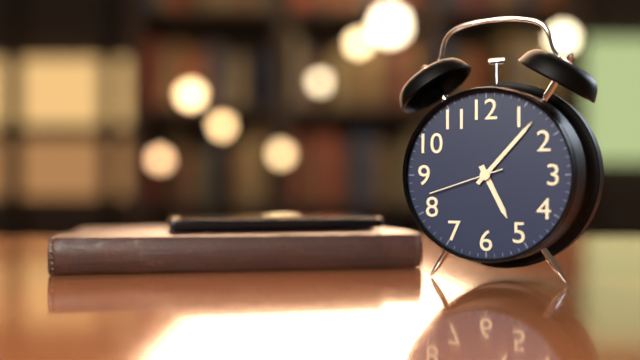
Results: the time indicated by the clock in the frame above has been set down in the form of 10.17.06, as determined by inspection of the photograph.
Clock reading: 5.07.42
